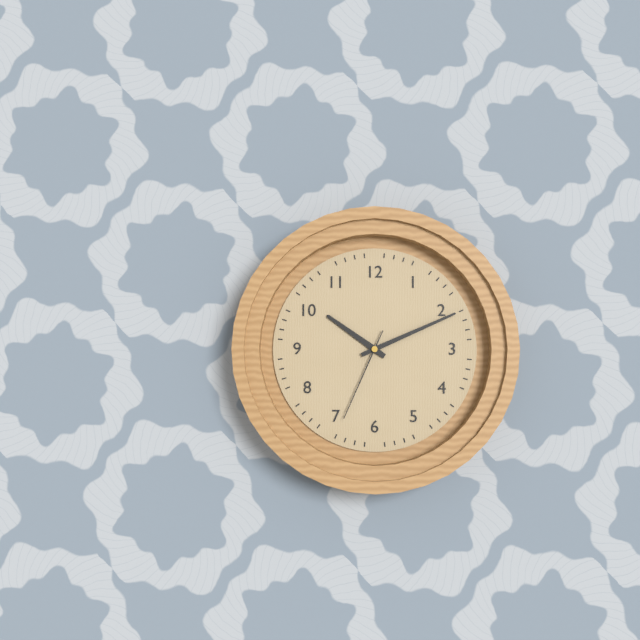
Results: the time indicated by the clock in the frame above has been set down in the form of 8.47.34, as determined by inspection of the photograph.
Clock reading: 10.11.34
